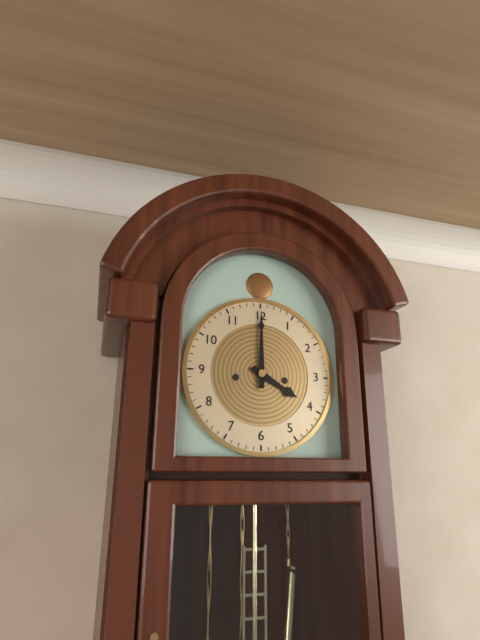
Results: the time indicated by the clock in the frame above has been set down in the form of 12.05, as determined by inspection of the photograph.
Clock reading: 4.00
